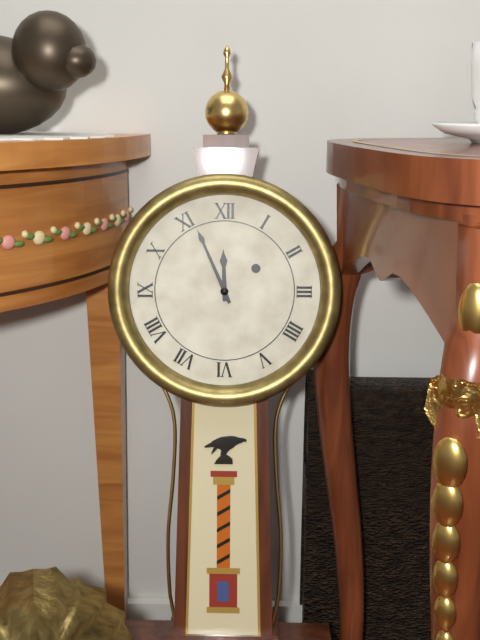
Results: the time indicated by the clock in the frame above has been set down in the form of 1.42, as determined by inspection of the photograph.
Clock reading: 11.56
